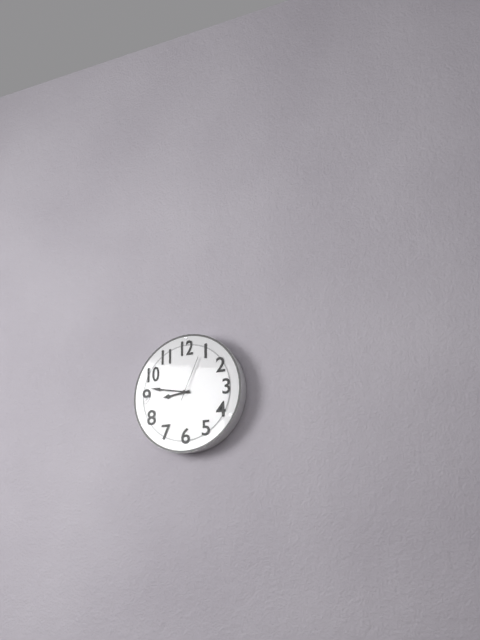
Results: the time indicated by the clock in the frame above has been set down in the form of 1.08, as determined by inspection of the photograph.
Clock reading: 8.47
